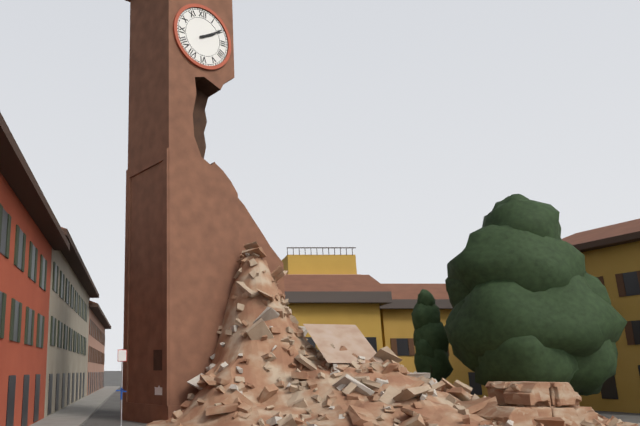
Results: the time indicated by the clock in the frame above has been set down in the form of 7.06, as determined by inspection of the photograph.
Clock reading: 2.10
